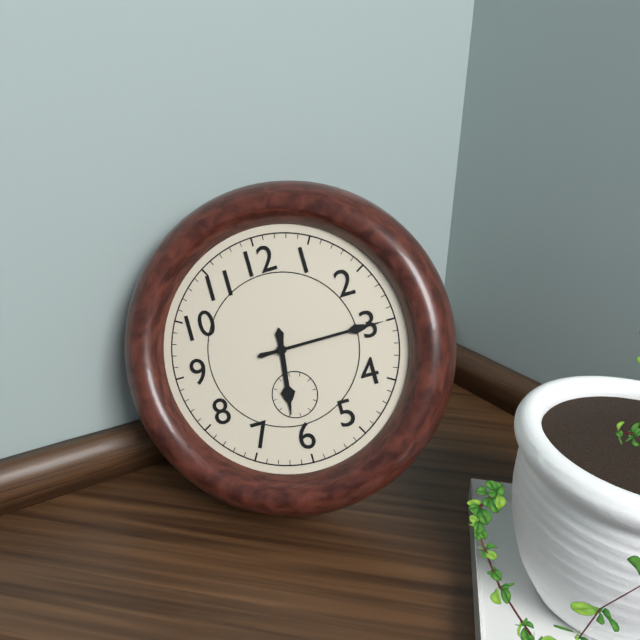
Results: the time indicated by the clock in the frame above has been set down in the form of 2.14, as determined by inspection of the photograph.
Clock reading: 6.15
